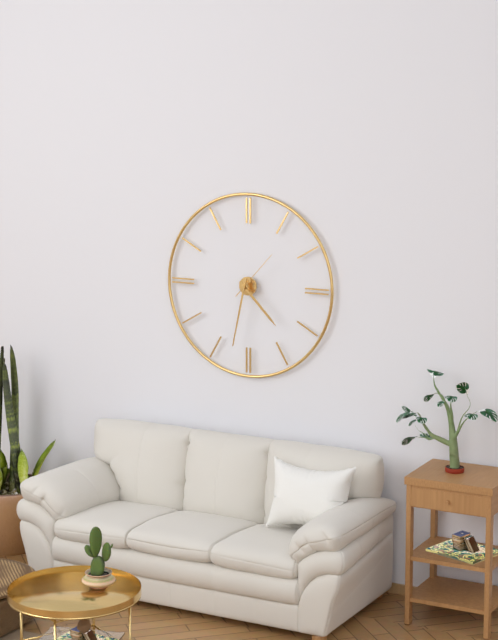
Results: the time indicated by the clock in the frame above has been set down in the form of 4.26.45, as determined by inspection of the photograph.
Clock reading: 4.32.07
